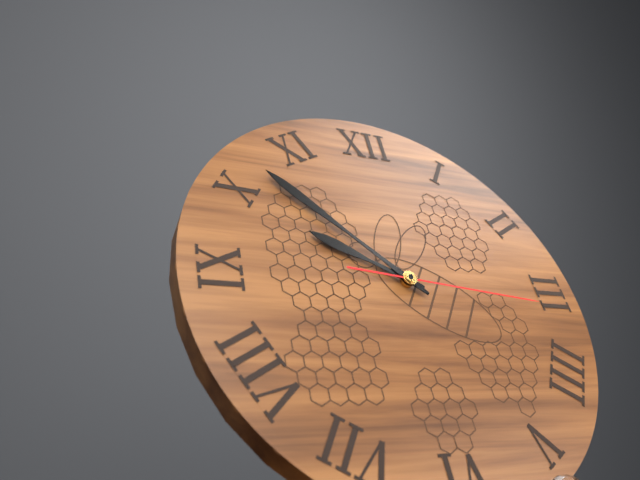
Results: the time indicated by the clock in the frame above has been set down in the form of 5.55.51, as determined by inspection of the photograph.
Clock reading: 9.52.16
